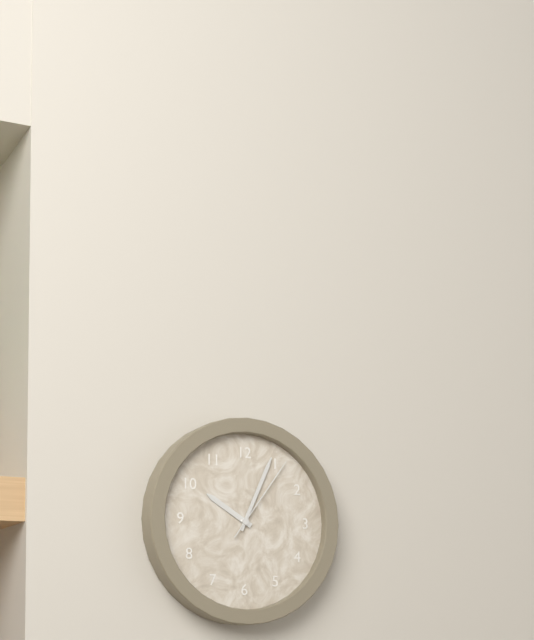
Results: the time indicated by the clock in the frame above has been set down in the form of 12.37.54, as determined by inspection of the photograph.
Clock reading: 10.04.06
